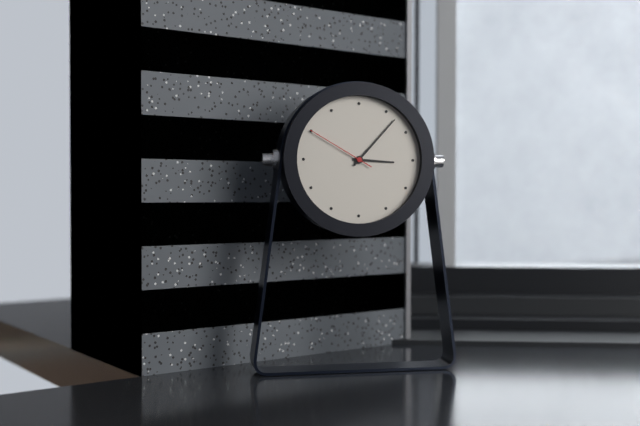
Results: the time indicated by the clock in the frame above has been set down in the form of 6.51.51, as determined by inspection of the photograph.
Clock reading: 3.07.50
